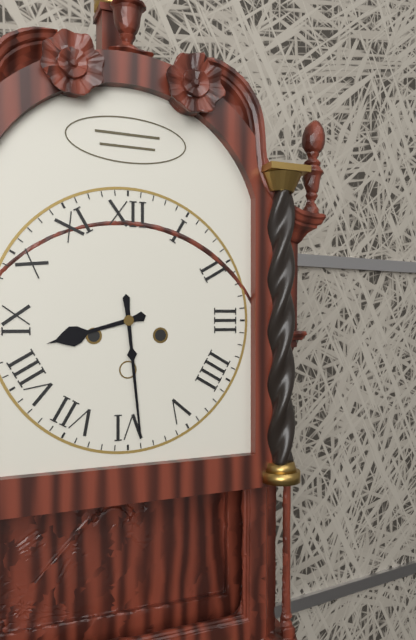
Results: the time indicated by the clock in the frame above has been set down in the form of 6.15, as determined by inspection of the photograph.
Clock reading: 8.29
